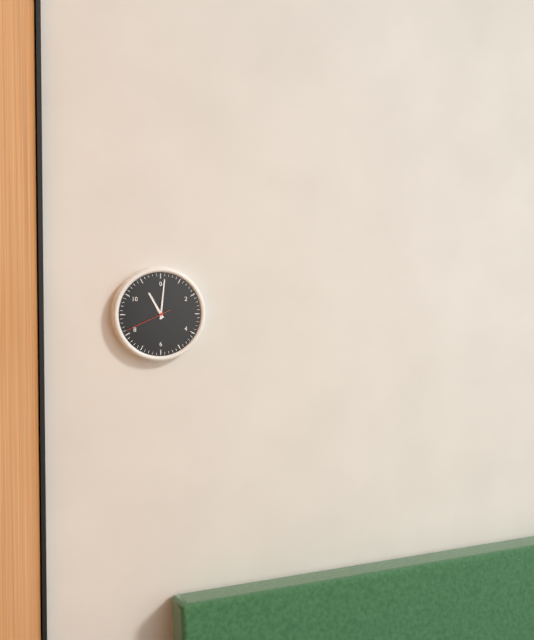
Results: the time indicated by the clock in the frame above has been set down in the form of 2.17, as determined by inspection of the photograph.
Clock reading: 11.01
